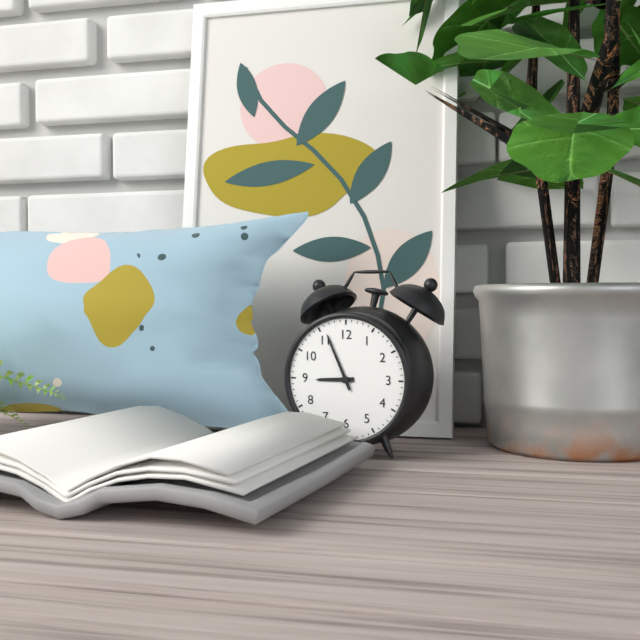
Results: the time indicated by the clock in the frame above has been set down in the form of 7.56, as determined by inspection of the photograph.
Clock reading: 8.56
